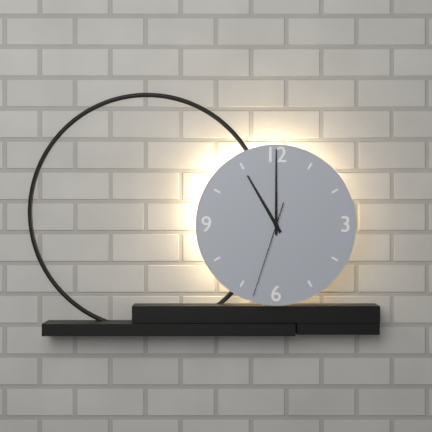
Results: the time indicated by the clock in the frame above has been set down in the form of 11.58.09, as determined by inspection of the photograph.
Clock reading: 11.00.33
